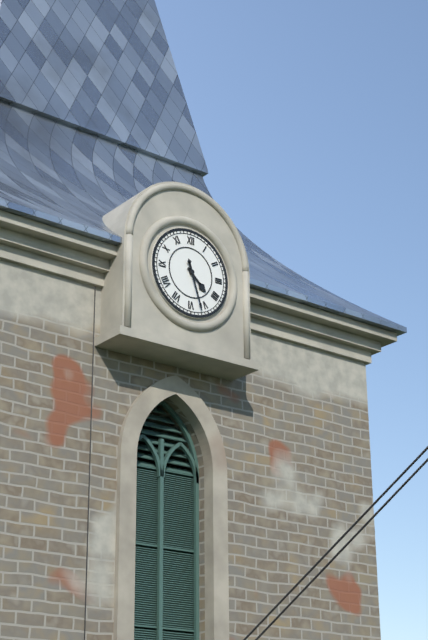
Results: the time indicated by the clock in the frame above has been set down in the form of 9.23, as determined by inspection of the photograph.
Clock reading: 4.27
